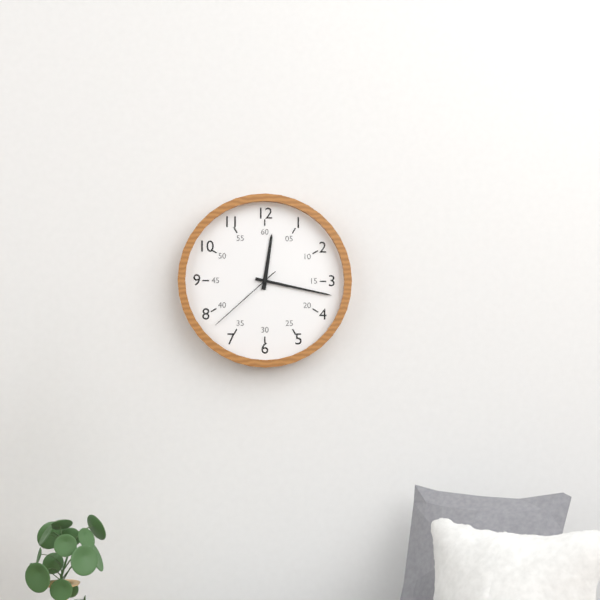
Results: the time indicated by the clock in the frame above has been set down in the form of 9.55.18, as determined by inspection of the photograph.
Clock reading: 12.17.38
